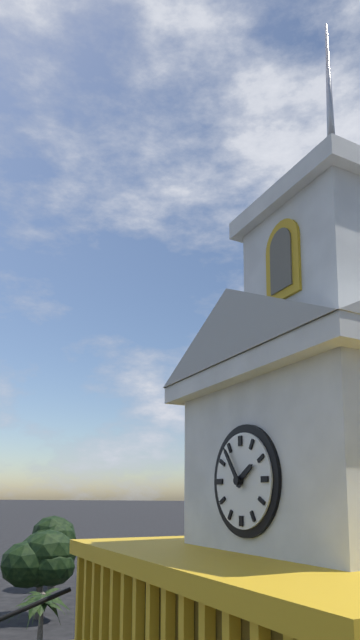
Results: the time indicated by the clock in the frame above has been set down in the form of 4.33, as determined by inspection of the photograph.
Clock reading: 1.54
